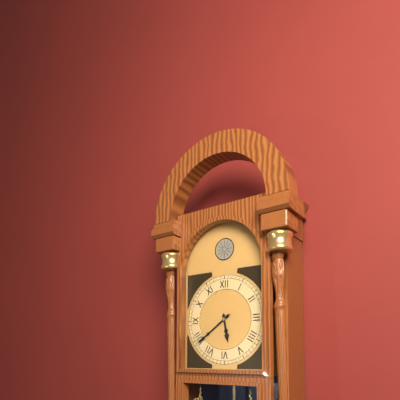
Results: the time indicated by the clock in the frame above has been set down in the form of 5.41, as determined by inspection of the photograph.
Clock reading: 5.39
